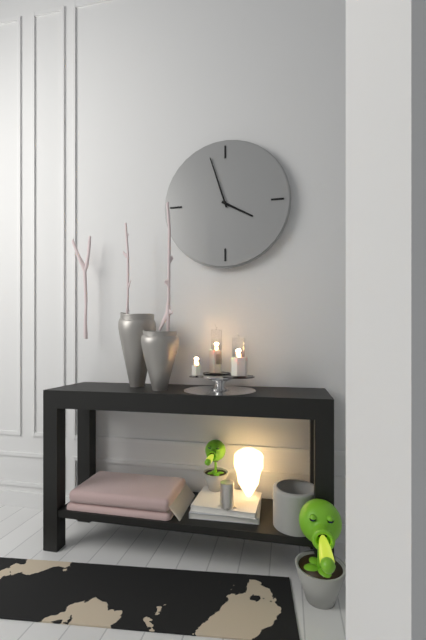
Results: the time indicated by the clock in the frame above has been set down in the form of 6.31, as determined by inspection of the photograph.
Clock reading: 3.57
